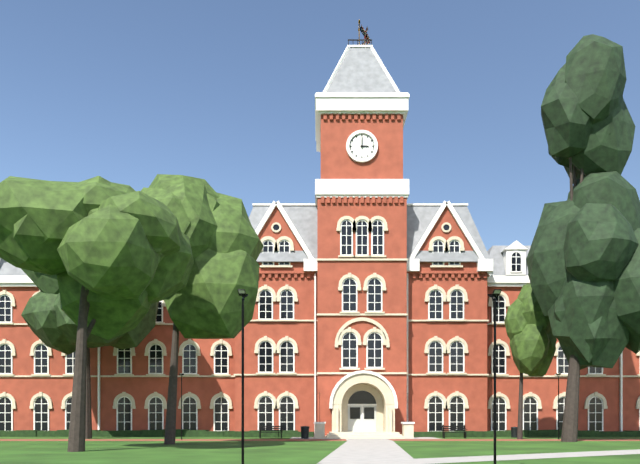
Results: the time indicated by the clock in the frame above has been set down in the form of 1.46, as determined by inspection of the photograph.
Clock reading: 3.00
